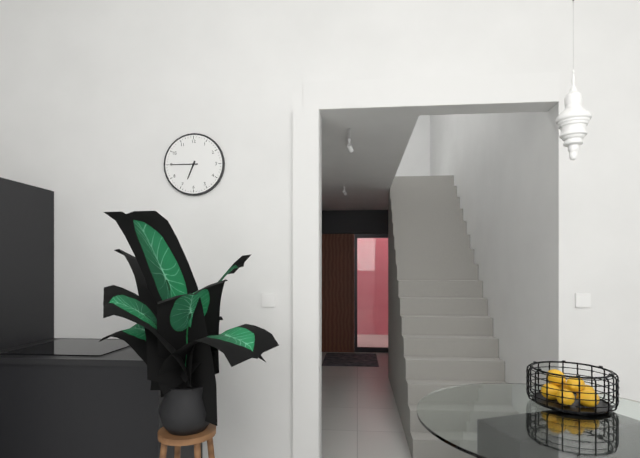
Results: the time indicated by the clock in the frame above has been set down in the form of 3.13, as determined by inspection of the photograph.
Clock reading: 6.45
